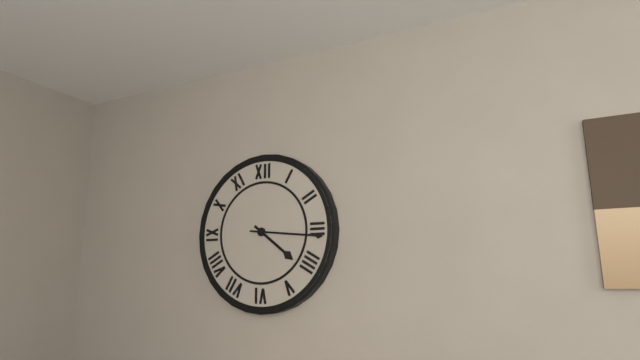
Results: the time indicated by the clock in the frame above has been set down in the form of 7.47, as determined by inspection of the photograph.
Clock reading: 4.16
